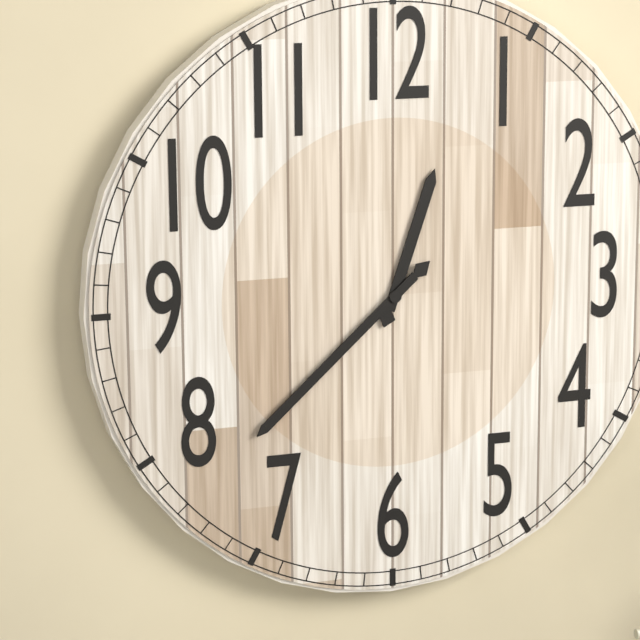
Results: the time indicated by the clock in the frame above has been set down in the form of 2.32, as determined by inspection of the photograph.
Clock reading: 12.38
